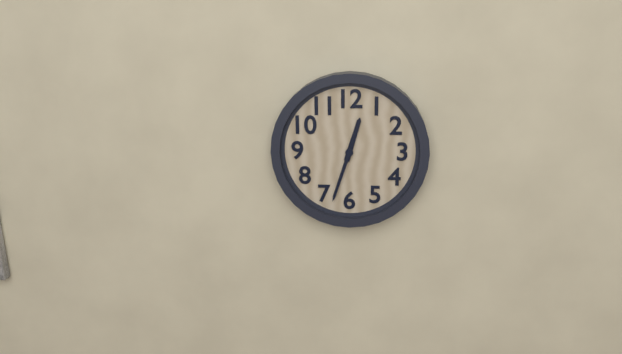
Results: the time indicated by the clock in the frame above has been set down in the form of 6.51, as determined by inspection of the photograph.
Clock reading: 12.33
